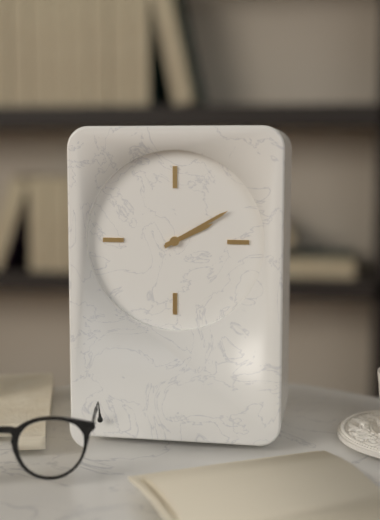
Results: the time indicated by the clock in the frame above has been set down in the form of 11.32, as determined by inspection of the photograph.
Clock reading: 2.10
